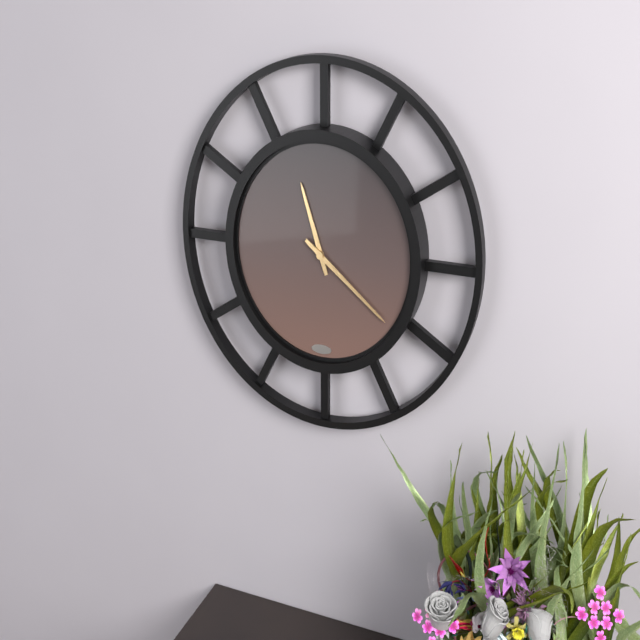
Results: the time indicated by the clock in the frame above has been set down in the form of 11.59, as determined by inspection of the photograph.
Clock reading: 11.21
